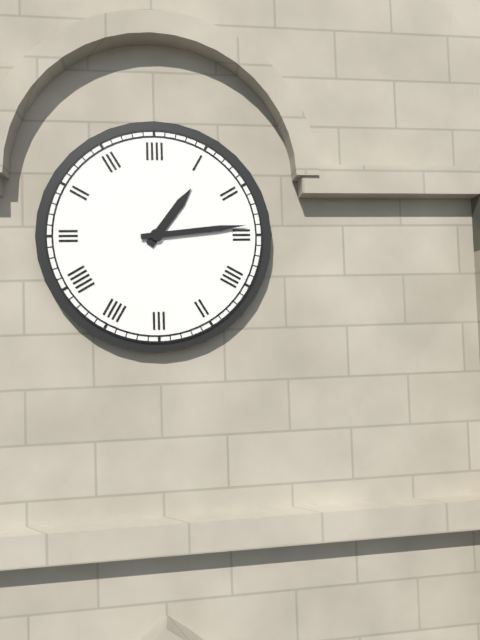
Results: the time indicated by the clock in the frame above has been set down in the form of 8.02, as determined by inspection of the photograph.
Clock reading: 1.14
